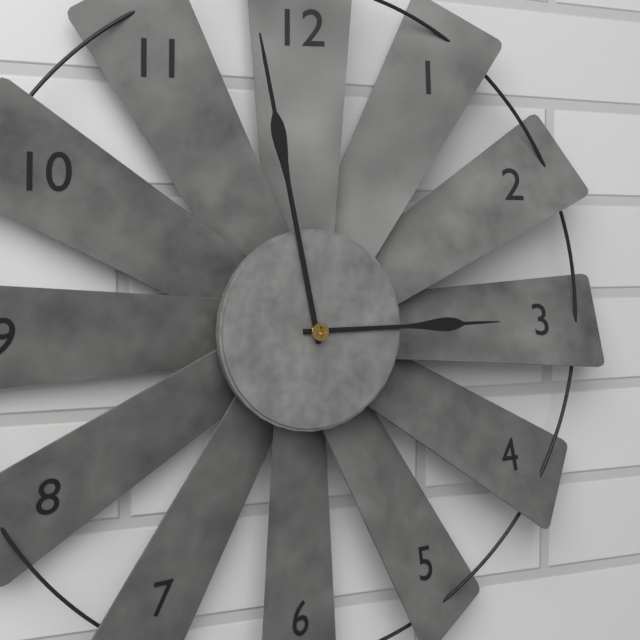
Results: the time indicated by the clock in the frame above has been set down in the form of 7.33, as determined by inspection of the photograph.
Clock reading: 2.58
